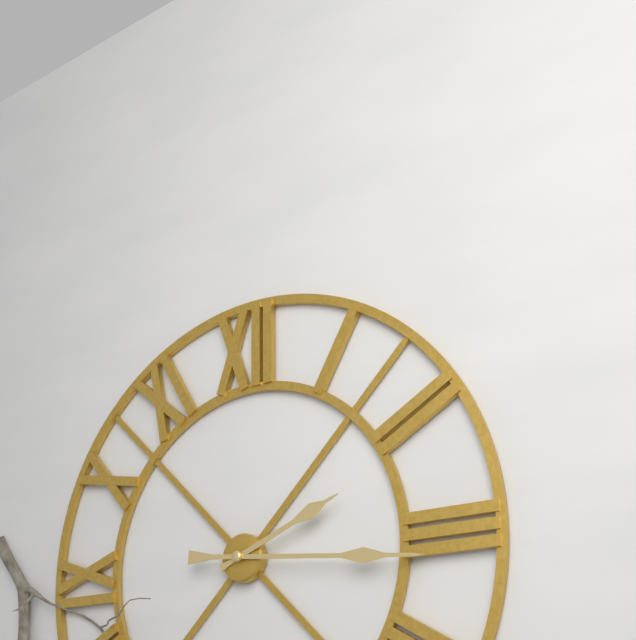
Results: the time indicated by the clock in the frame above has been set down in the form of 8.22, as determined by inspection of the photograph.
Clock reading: 2.16
